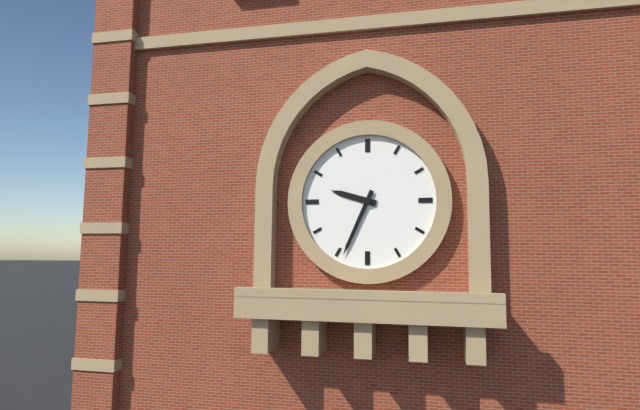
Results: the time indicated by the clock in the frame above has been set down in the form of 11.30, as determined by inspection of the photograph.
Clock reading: 9.34
